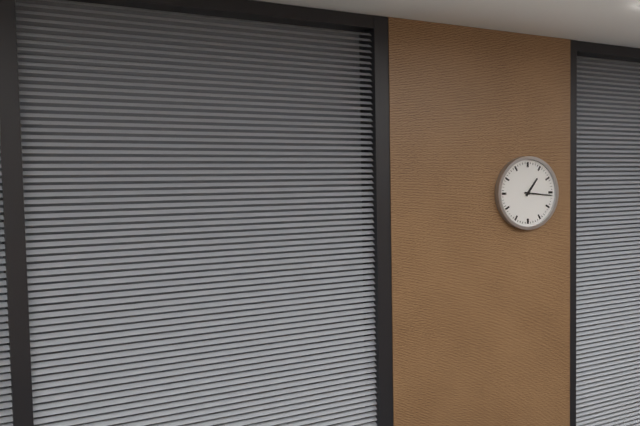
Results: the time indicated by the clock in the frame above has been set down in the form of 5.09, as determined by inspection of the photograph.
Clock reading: 1.16
